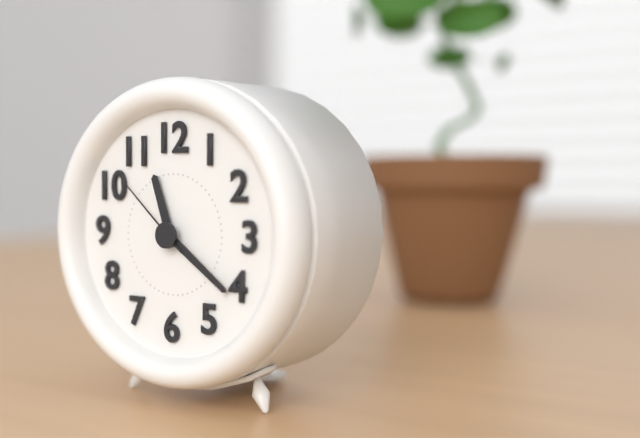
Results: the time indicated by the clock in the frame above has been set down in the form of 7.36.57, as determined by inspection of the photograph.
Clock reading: 11.21.52
